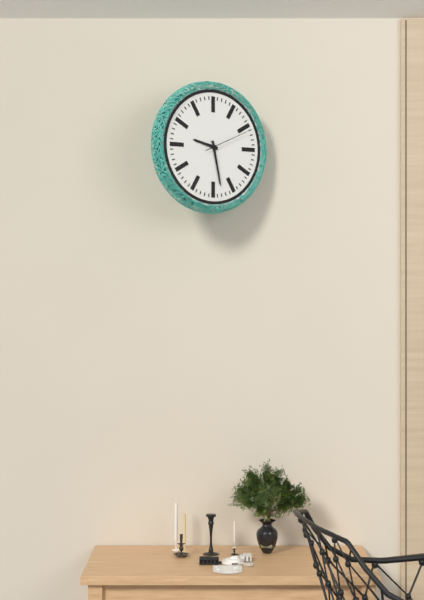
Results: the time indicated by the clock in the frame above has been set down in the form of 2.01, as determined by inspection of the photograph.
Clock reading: 9.28
